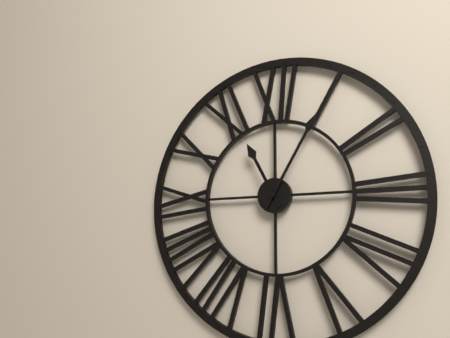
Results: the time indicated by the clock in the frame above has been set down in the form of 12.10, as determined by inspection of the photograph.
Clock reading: 11.05
